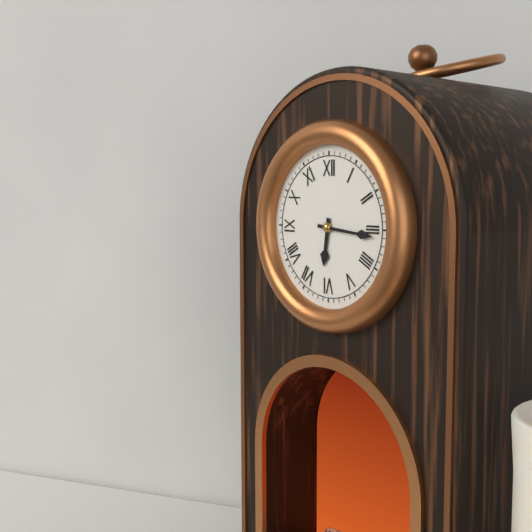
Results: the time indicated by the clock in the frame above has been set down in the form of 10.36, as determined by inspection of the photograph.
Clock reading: 6.16
